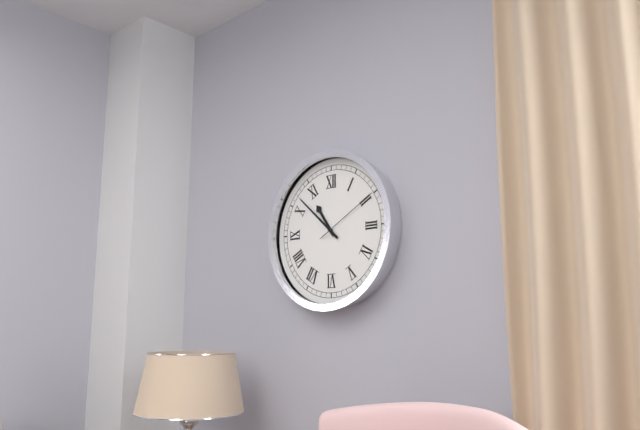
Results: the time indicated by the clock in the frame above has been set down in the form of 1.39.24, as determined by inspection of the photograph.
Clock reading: 10.52.10
